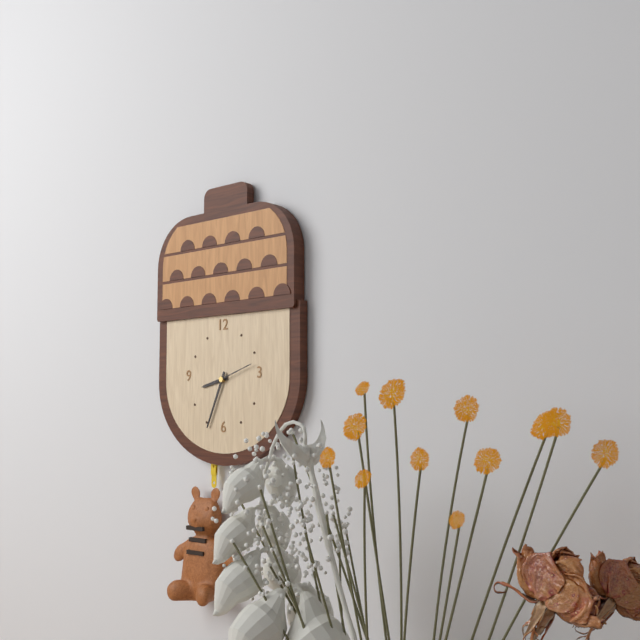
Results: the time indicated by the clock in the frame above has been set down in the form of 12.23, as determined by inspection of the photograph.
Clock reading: 8.34
